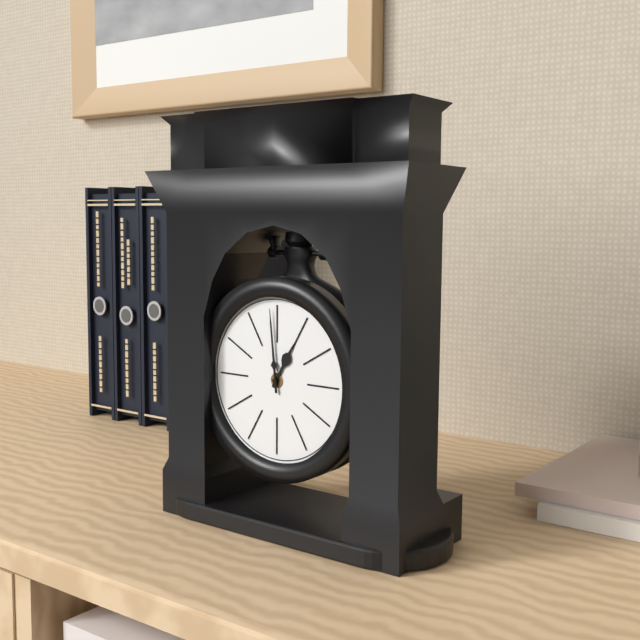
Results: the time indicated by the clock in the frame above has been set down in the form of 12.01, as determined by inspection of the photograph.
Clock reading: 12.59
